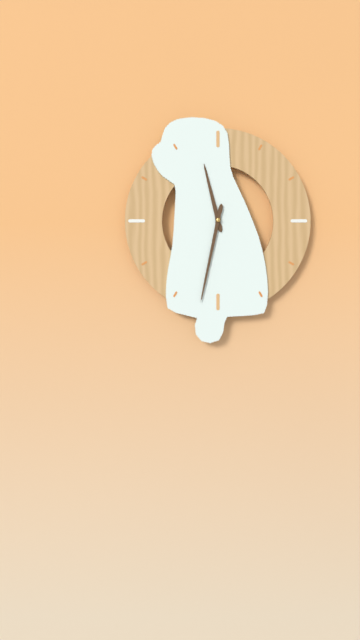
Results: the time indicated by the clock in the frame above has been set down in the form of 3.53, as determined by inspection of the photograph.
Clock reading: 11.32
